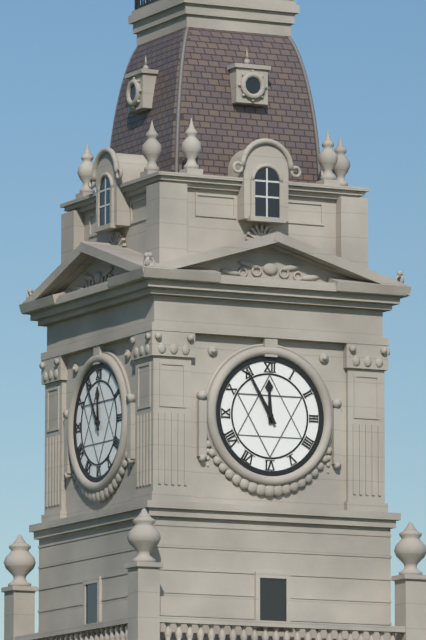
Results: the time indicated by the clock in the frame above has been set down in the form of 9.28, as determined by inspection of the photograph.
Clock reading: 11.55
